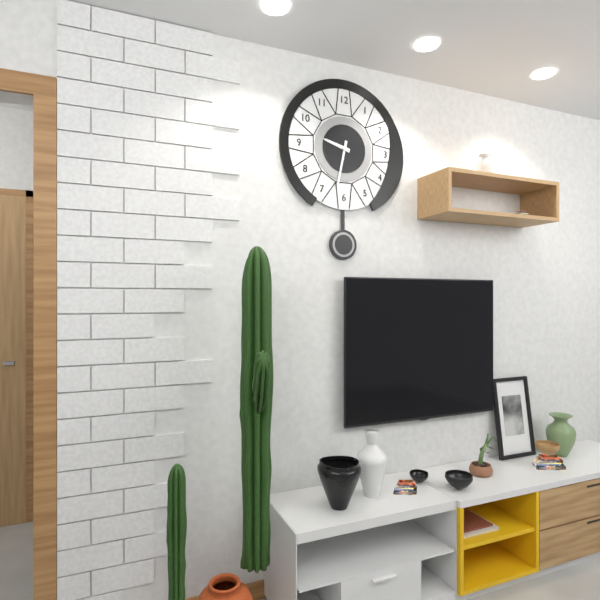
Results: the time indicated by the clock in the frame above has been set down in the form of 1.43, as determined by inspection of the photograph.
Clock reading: 9.32
